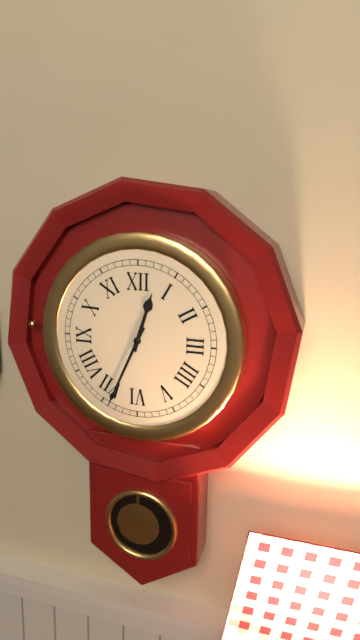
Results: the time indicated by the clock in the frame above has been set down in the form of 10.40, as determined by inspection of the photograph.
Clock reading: 12.34
